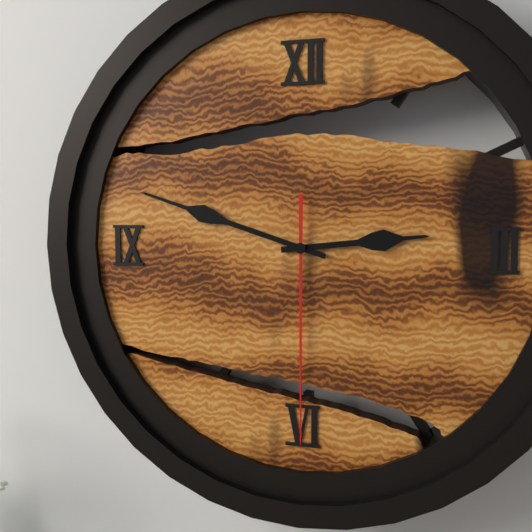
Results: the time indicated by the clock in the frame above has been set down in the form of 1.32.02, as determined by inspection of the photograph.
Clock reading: 2.48.30
